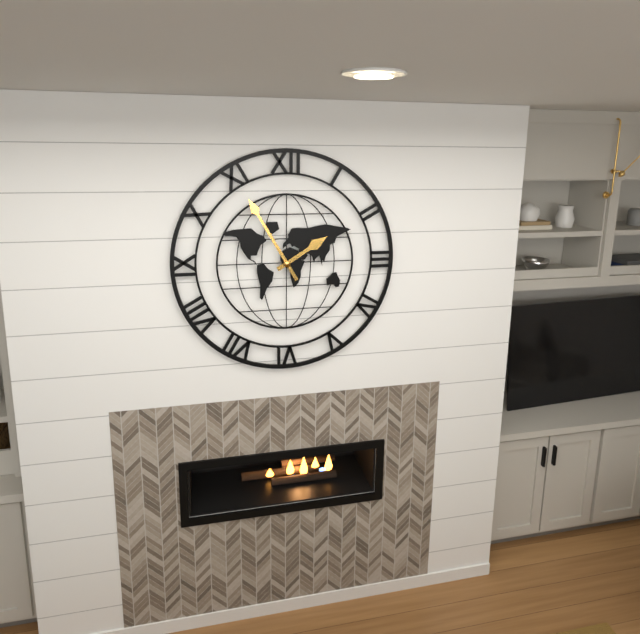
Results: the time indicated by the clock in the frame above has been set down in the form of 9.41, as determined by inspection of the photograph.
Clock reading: 1.55
